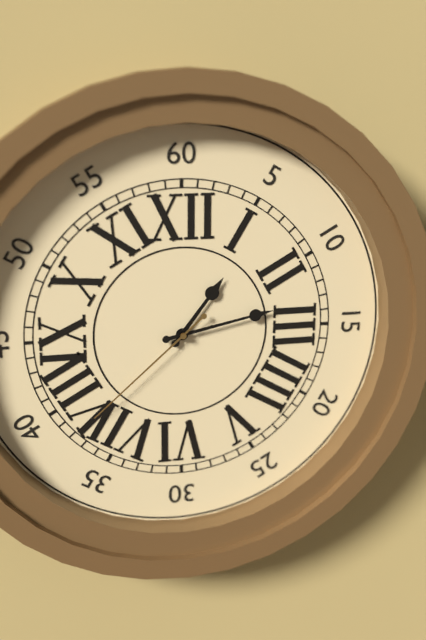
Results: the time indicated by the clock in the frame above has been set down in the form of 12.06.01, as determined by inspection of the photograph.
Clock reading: 1.13.38
